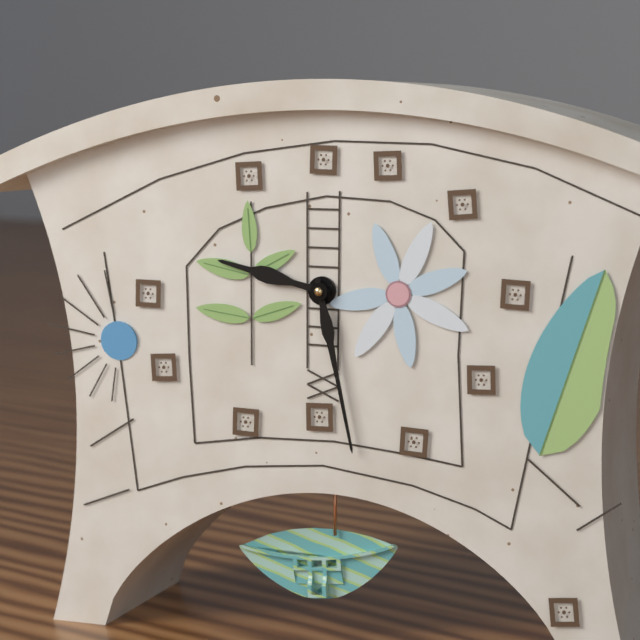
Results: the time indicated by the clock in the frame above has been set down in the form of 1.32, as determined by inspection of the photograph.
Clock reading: 9.28
